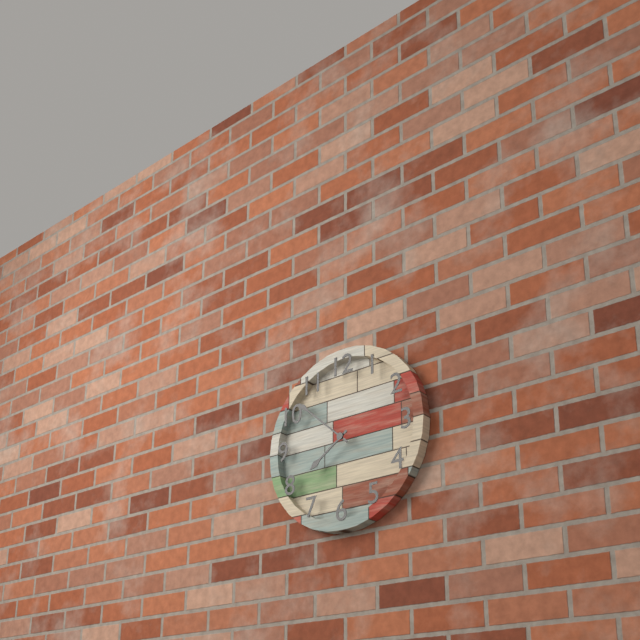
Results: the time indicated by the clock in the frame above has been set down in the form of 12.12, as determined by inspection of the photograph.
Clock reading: 7.52
